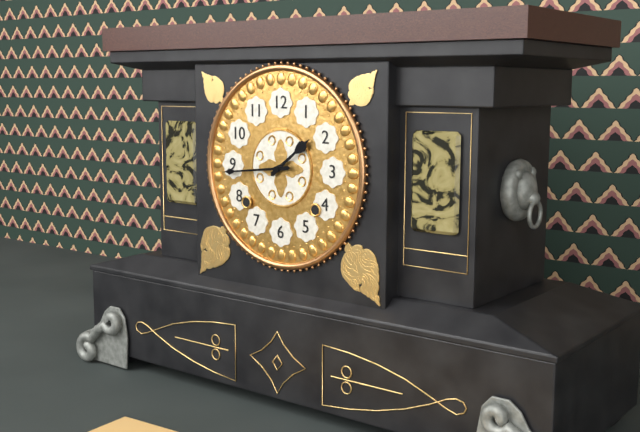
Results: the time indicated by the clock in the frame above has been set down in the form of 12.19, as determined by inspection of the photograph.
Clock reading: 1.44
